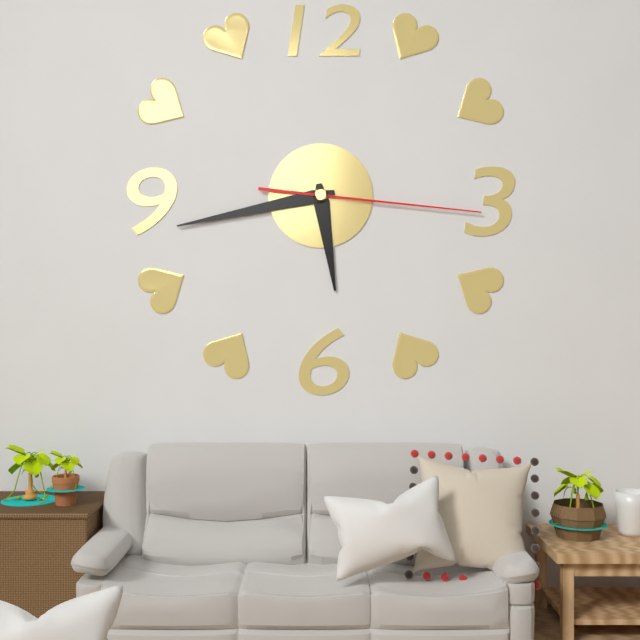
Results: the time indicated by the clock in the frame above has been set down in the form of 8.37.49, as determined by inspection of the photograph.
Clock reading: 5.43.16
